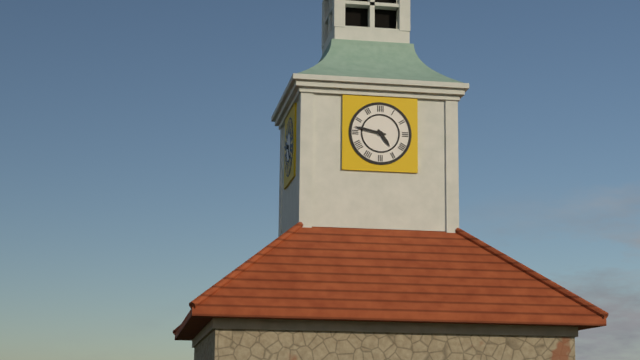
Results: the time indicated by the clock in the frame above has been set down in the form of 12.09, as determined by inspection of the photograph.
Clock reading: 4.47
